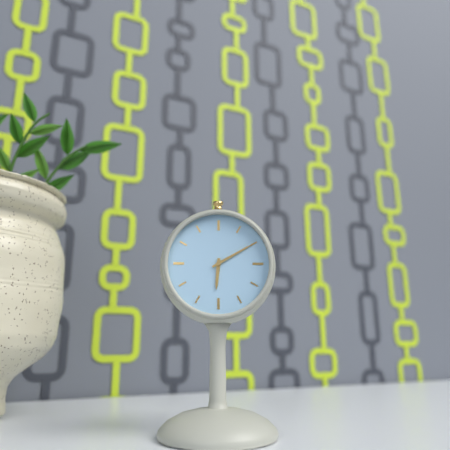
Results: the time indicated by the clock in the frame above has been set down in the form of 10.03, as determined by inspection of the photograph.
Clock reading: 6.10
